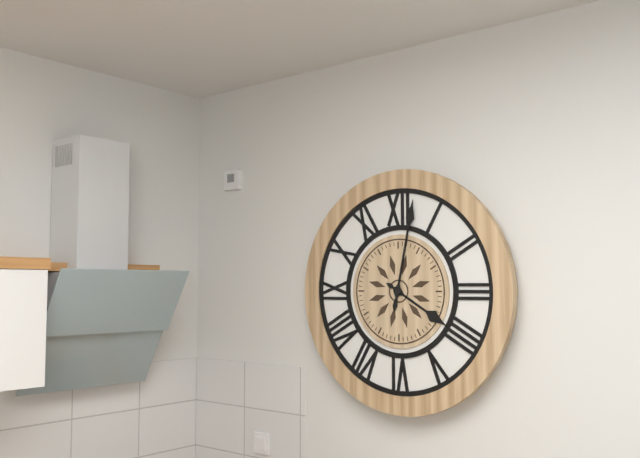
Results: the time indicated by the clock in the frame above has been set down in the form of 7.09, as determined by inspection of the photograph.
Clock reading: 4.02
